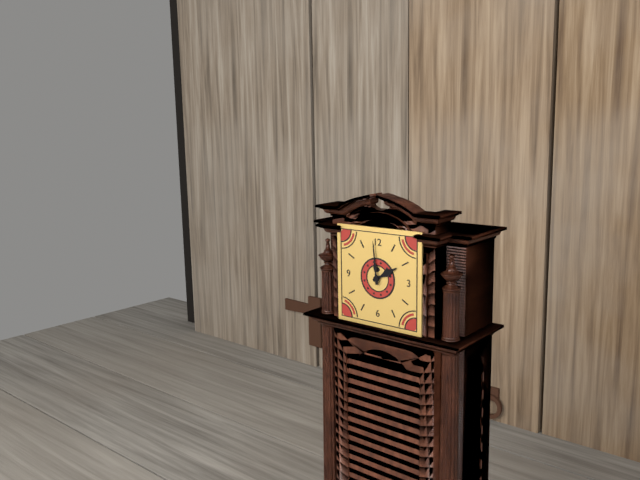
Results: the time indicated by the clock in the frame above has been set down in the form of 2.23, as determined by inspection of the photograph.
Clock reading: 1.59
